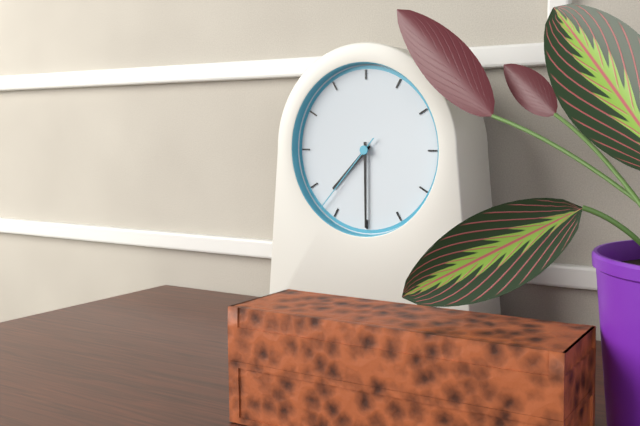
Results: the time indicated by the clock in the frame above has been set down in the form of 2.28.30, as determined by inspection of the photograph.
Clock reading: 7.30.37
